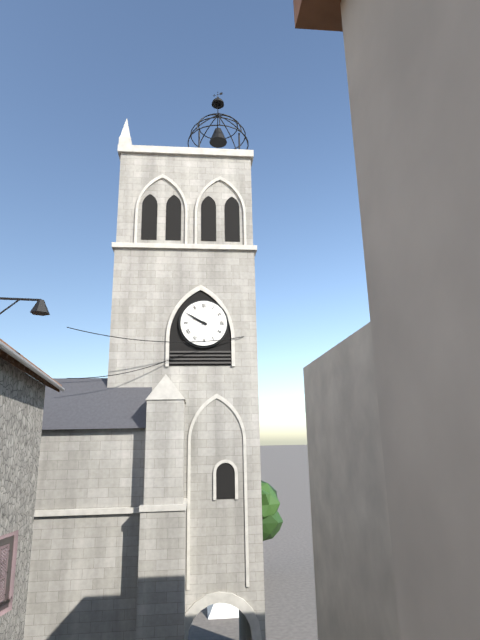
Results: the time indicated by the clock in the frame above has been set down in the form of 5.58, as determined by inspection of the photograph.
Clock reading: 9.50
